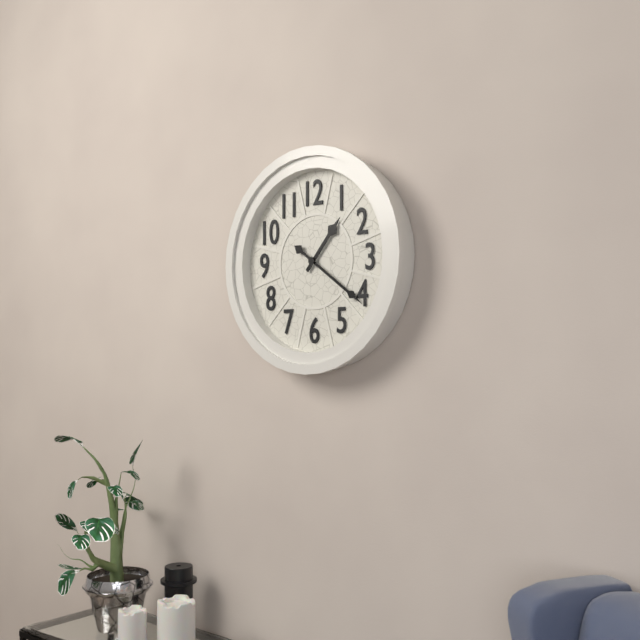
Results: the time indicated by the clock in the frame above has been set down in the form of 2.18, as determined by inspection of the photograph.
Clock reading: 1.21
